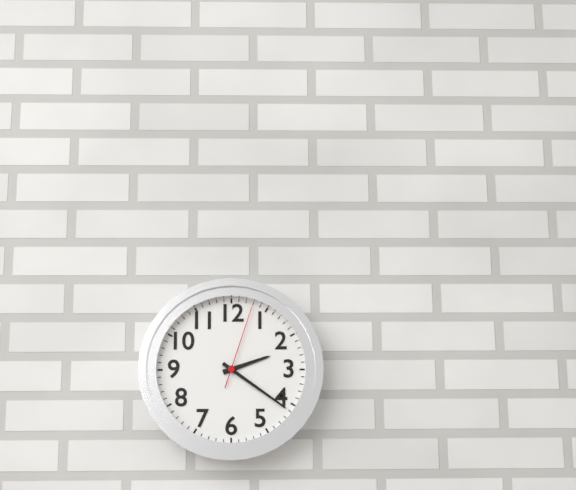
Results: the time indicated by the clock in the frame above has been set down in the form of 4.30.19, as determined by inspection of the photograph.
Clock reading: 2.21.03
